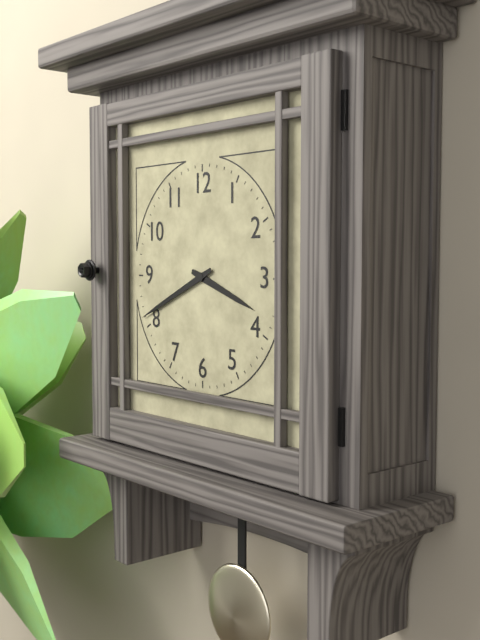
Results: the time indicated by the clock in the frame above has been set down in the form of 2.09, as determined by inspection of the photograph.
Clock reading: 3.41
